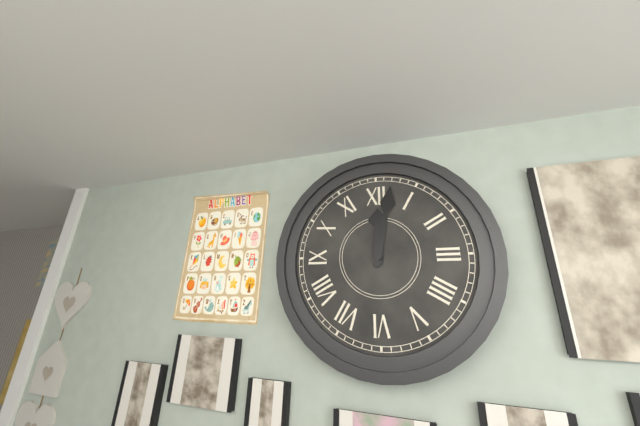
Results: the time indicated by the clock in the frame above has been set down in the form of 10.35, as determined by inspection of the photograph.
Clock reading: 12.02
